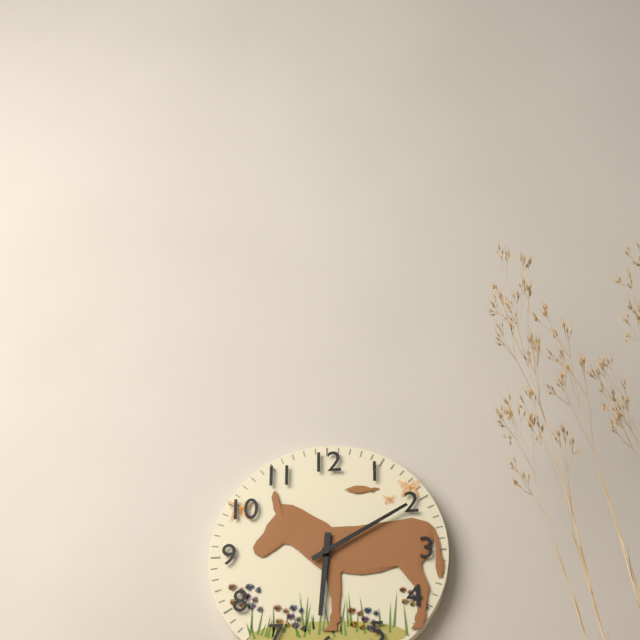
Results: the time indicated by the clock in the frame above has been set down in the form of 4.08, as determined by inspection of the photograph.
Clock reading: 6.10
